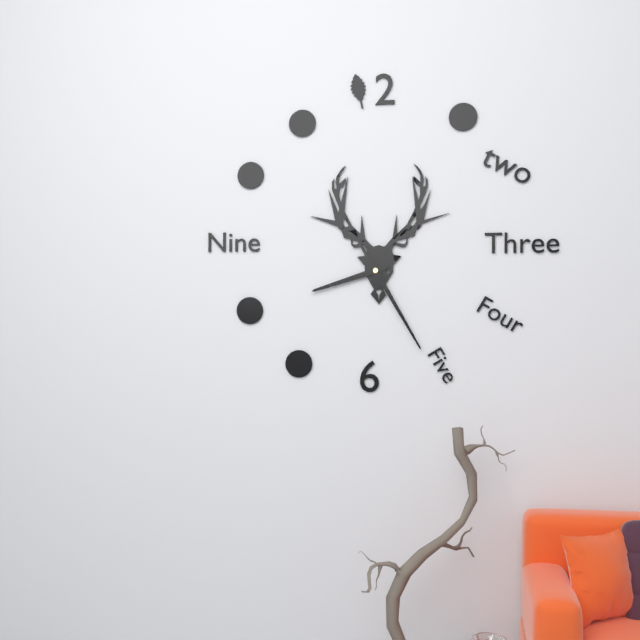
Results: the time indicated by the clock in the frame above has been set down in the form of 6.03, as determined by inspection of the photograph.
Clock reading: 8.25
